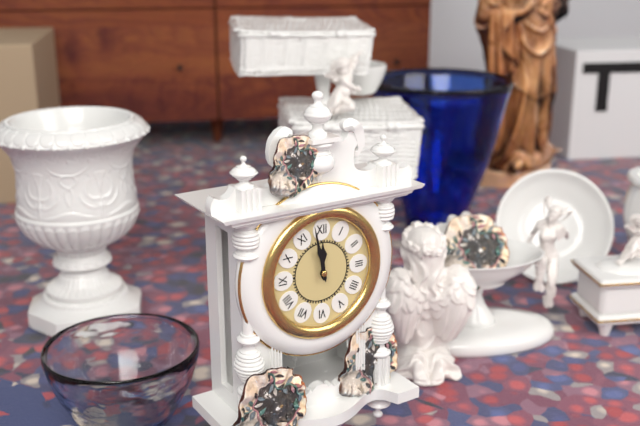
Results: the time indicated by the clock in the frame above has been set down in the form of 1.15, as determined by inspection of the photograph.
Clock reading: 11.58
